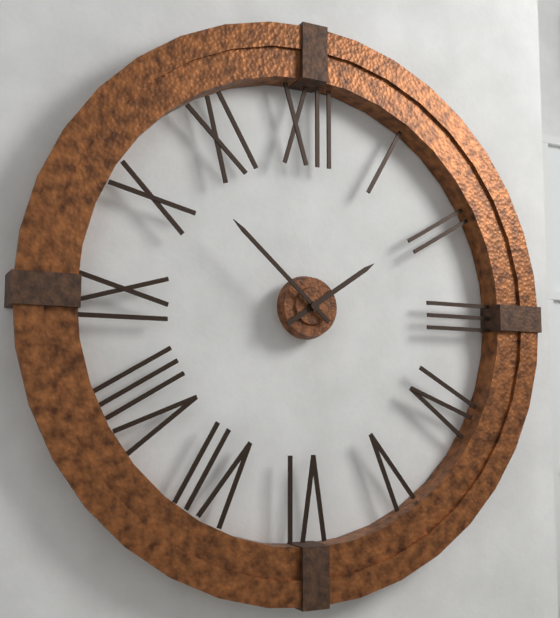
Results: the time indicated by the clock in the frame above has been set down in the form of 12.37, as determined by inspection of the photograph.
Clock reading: 1.52
